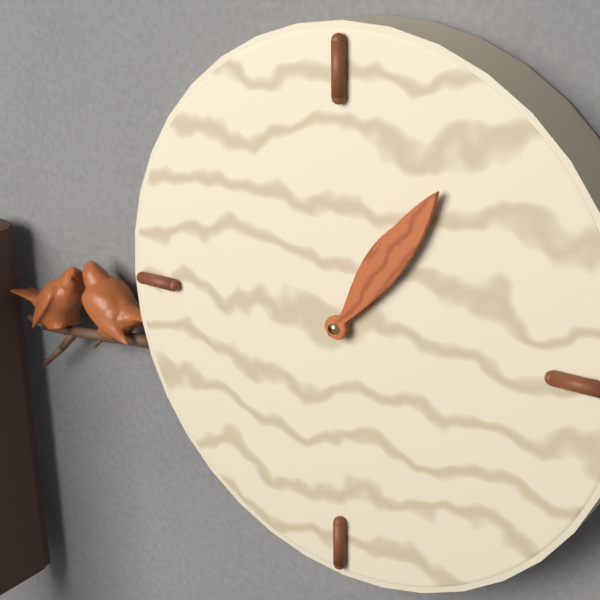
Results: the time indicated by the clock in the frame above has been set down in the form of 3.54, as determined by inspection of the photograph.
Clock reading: 1.06
